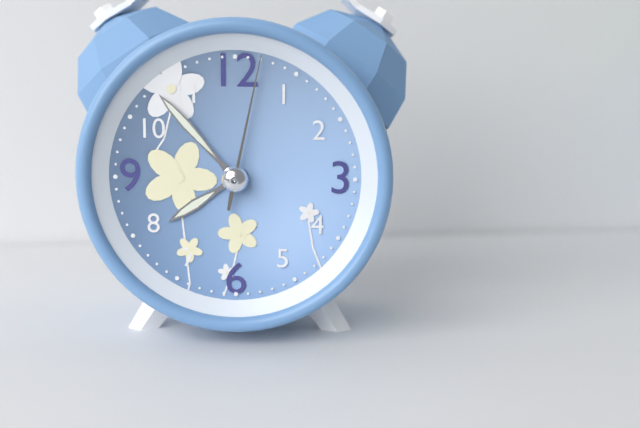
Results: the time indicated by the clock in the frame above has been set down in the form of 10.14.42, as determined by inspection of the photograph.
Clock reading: 7.53.02
